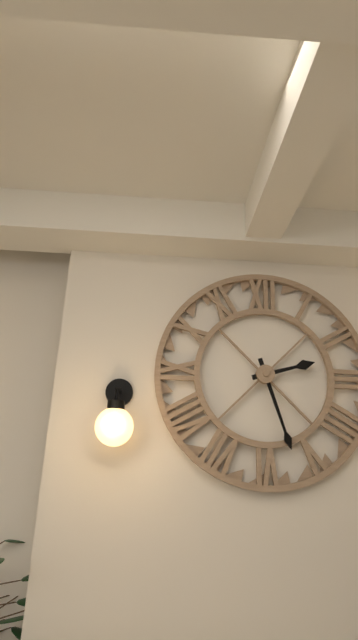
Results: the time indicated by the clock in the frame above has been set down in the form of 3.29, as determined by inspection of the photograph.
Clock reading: 2.27
